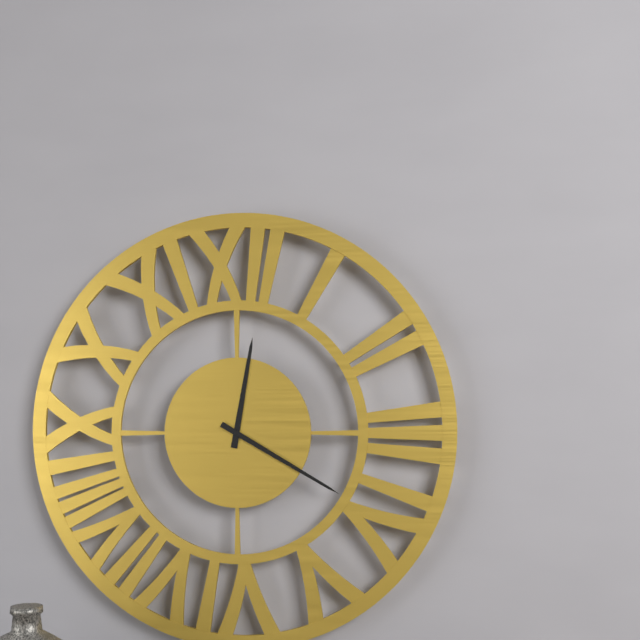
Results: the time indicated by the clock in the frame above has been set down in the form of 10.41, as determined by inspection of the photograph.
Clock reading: 12.20
